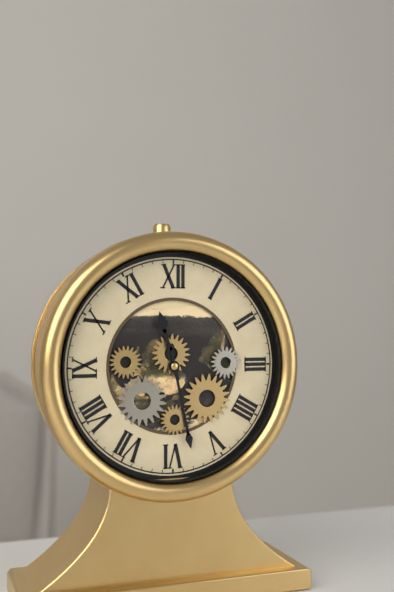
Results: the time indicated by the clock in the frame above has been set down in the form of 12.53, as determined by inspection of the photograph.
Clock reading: 11.28
